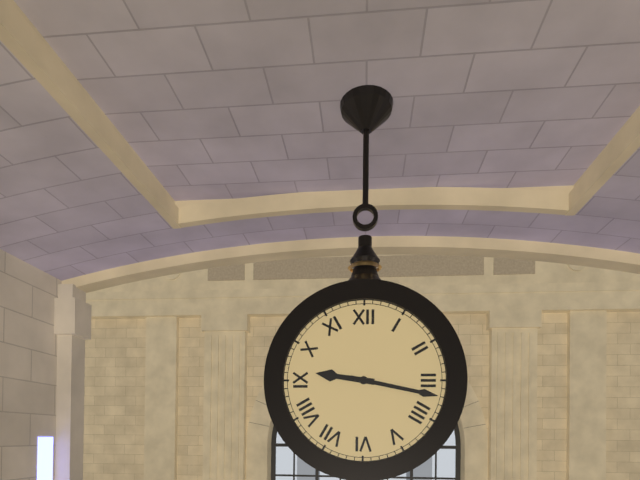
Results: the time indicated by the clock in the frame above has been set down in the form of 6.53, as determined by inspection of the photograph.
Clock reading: 9.17
